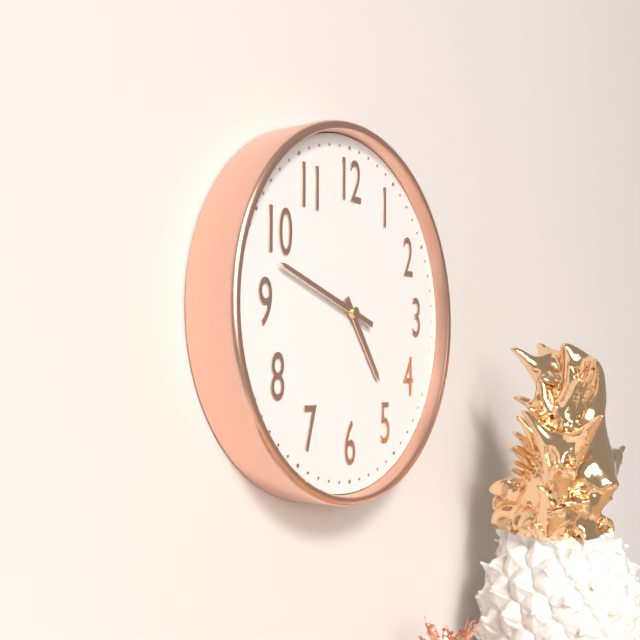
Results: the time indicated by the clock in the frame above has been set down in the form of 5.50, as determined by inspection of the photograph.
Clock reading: 4.48
